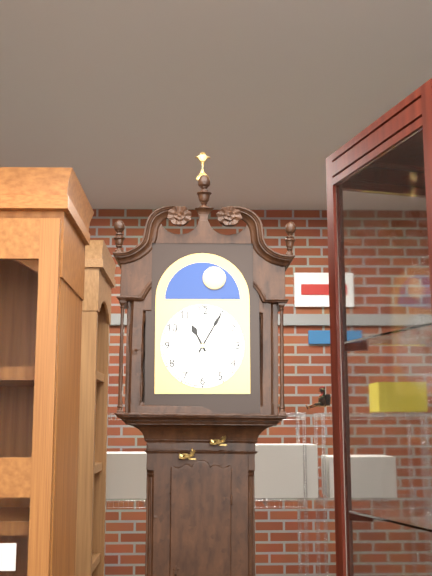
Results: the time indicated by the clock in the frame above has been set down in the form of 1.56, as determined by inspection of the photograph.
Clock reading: 11.05
